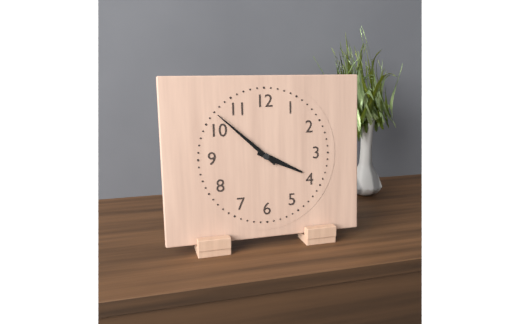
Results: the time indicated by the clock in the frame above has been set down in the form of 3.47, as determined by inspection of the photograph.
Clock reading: 3.52
